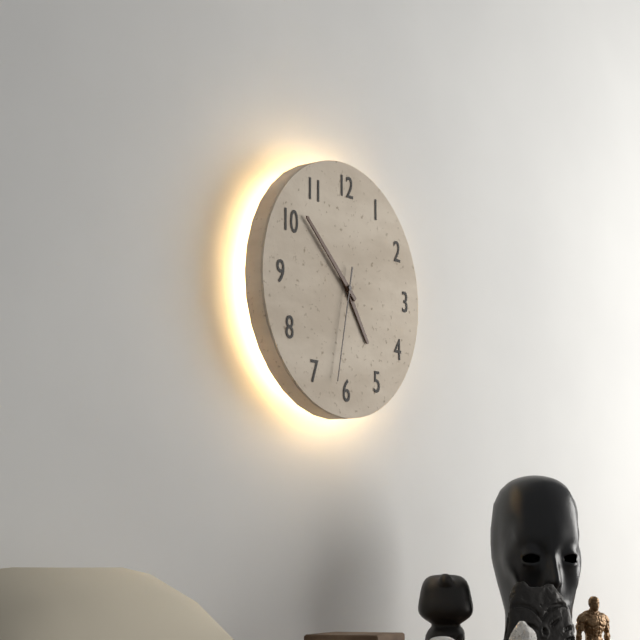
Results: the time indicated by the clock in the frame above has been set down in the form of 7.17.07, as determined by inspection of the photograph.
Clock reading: 4.52.32
